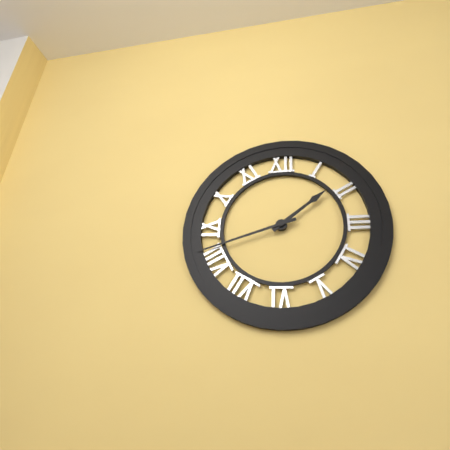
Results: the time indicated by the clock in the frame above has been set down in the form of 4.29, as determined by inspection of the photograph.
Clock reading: 1.42
